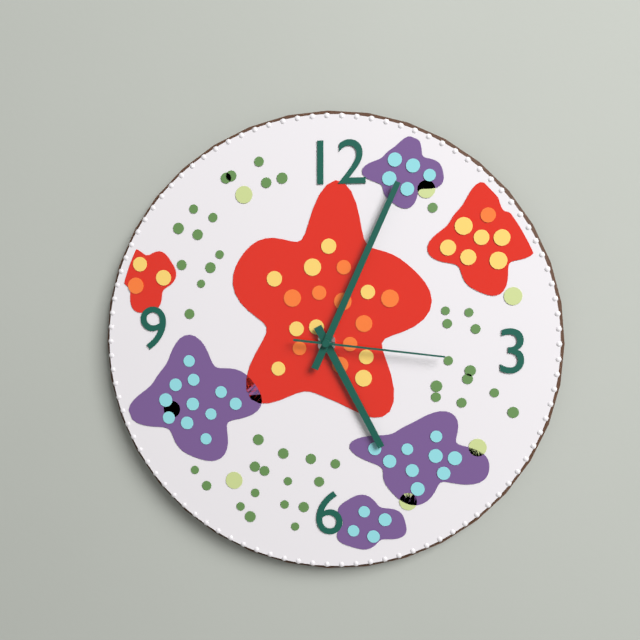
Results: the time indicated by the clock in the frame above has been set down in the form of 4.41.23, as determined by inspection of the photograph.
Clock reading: 5.04.16
